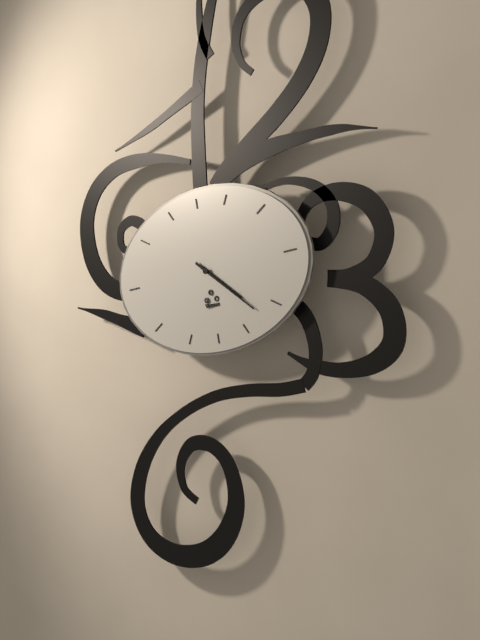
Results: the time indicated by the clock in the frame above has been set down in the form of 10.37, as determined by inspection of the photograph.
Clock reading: 4.22
